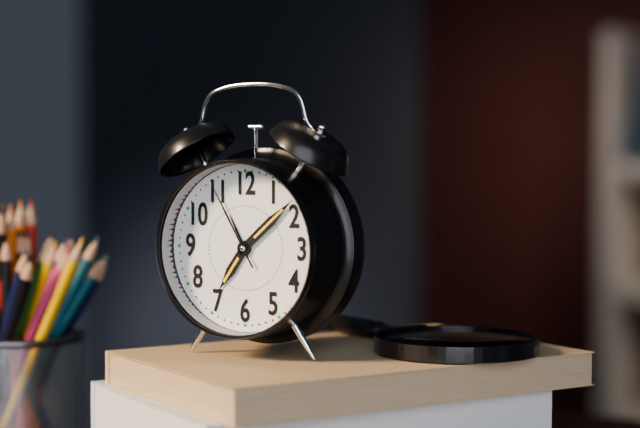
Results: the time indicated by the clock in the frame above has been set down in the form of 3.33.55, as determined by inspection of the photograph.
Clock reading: 7.08.55
